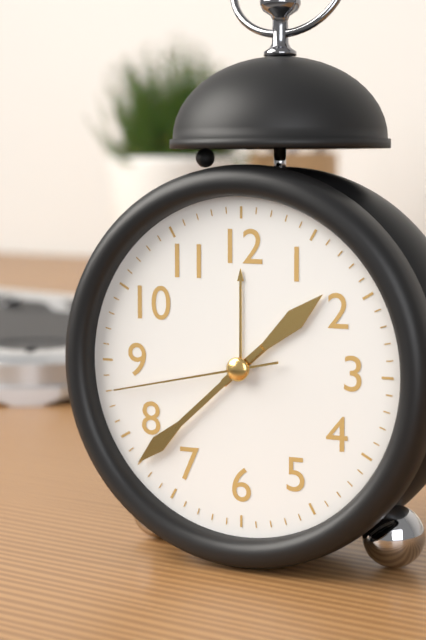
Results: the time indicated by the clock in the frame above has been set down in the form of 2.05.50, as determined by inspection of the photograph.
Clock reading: 1.38.43
